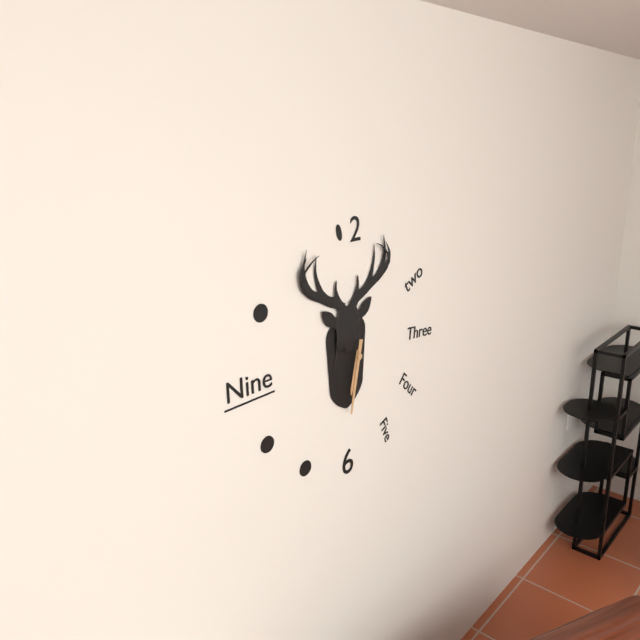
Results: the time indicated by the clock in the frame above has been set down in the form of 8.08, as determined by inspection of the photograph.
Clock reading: 6.32
